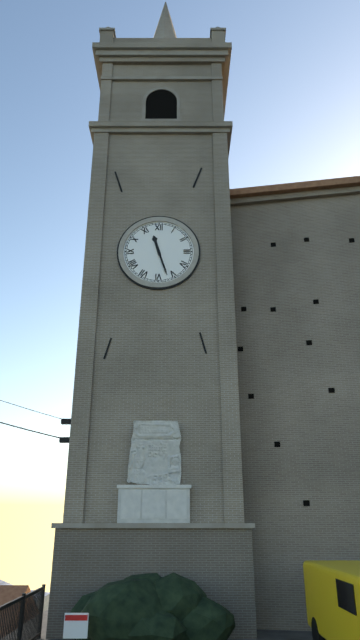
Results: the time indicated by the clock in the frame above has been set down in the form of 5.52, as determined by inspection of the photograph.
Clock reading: 11.27
